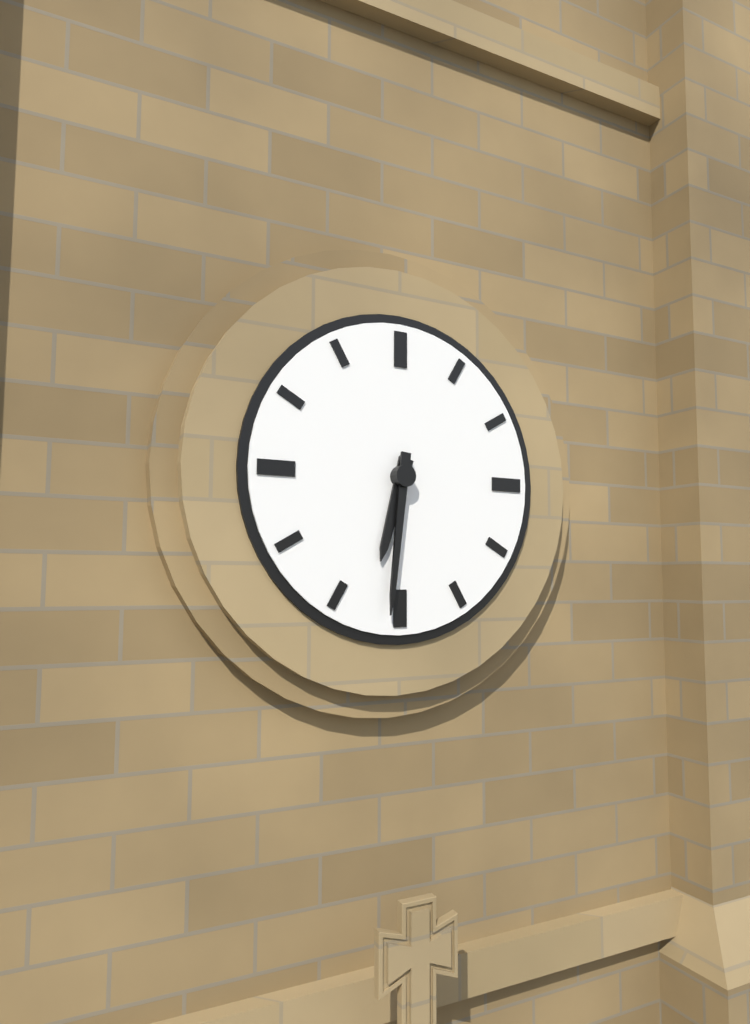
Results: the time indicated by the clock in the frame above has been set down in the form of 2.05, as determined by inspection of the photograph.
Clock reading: 6.31
